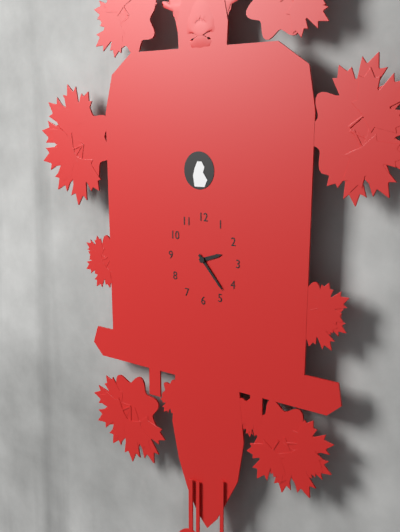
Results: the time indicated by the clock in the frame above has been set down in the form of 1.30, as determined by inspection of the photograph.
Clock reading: 2.23
